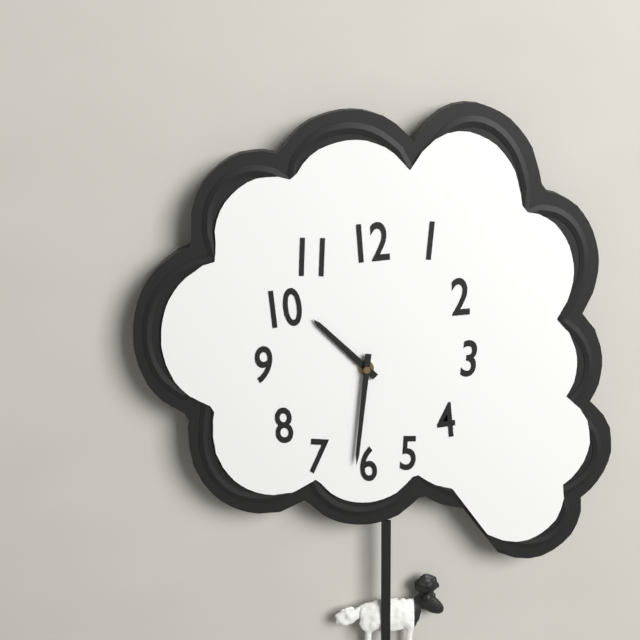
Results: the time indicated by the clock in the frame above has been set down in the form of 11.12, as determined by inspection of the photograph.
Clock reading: 10.31
